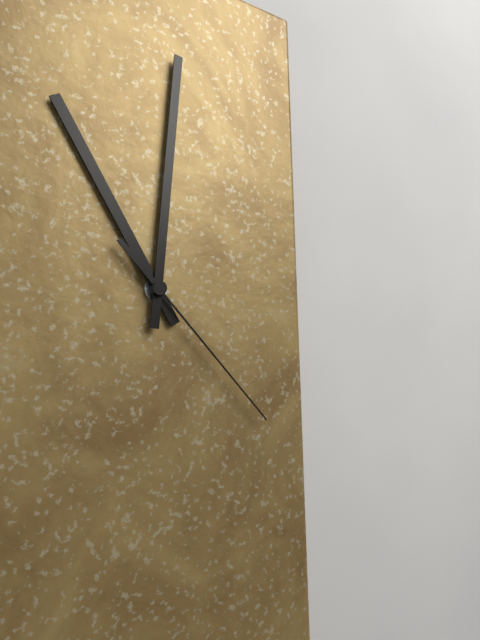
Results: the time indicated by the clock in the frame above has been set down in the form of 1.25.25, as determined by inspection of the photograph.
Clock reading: 11.01.23
